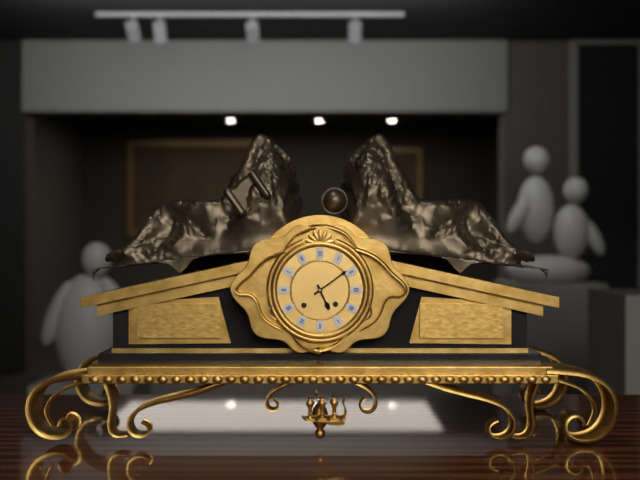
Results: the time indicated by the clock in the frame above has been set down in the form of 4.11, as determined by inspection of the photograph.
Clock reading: 5.09
